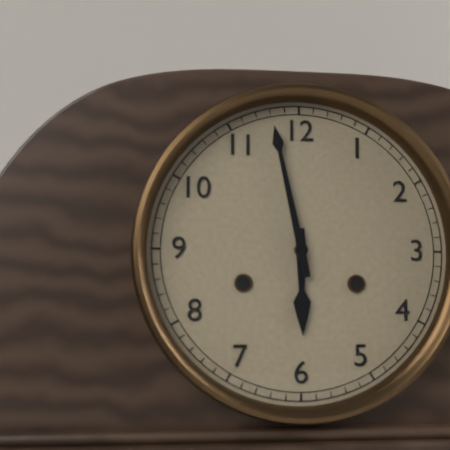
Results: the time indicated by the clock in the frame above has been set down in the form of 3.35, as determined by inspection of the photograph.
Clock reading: 5.58
